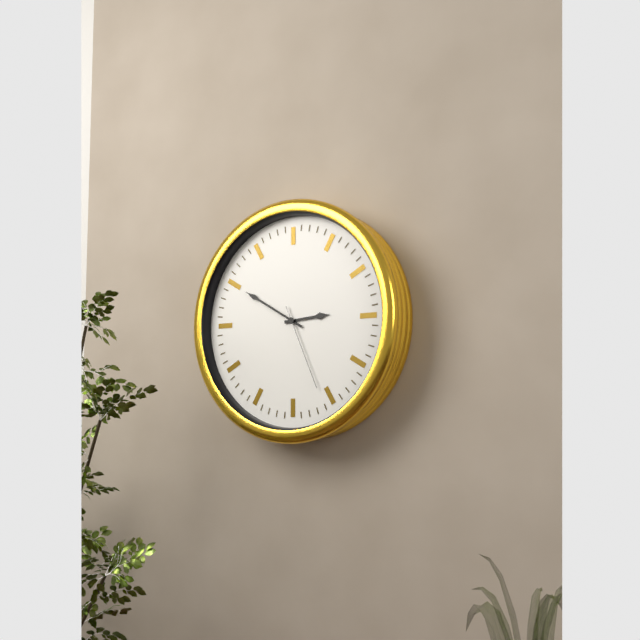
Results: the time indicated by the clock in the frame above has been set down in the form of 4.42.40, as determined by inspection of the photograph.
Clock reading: 2.50.26
